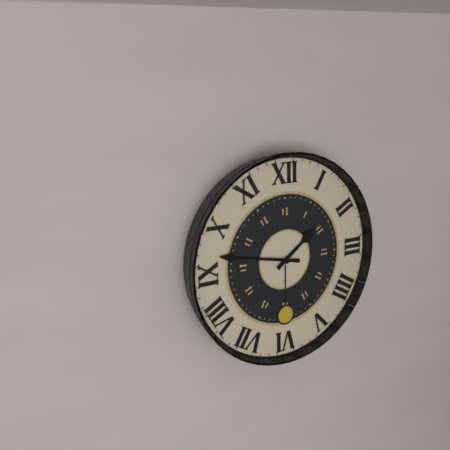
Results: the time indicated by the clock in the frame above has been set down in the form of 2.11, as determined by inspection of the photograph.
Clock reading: 1.47
